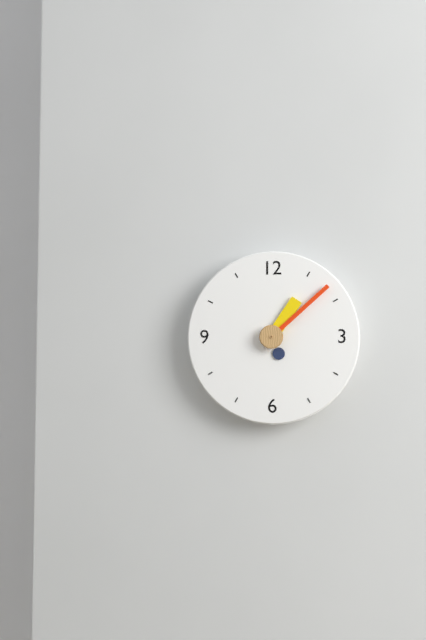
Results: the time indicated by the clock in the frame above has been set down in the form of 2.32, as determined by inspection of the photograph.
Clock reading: 1.08
